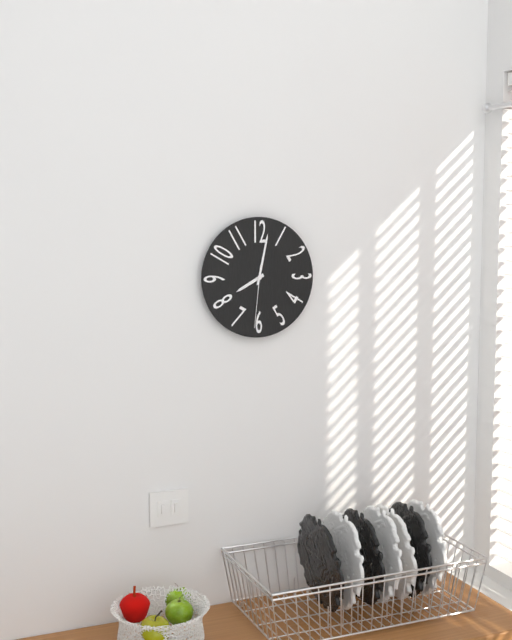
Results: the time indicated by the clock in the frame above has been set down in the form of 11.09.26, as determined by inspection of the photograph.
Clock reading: 8.02.31
